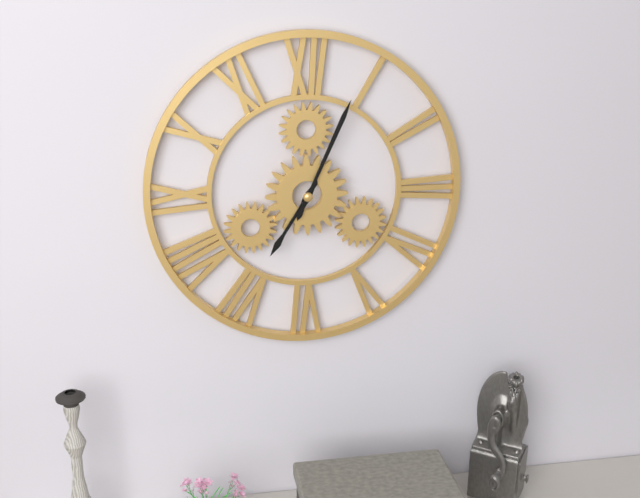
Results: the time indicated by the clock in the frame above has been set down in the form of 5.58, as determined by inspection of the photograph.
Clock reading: 7.04
